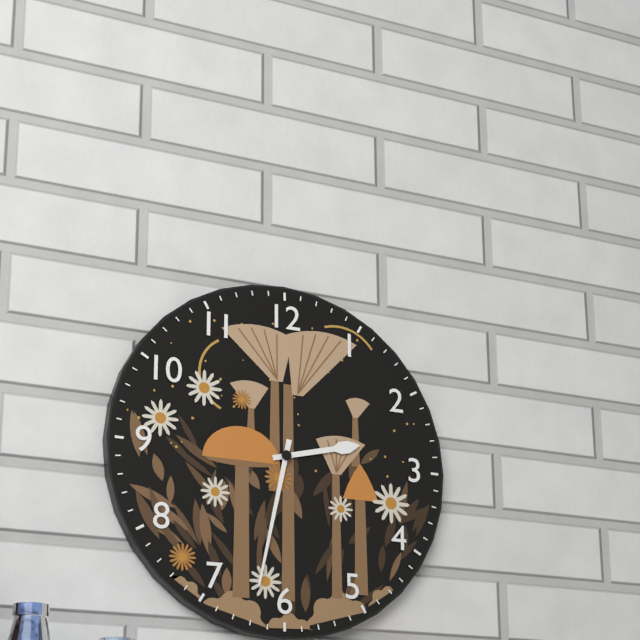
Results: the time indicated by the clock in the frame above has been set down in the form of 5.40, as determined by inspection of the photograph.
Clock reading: 2.32
